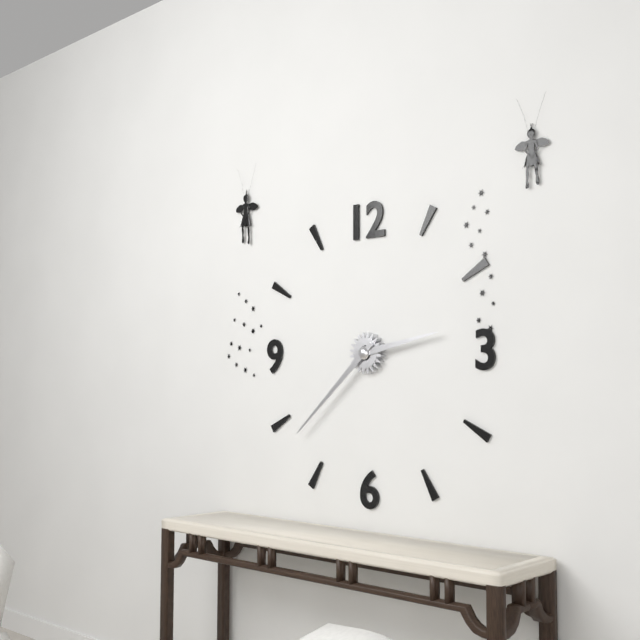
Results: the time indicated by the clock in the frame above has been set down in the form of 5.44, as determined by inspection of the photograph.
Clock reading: 2.38
